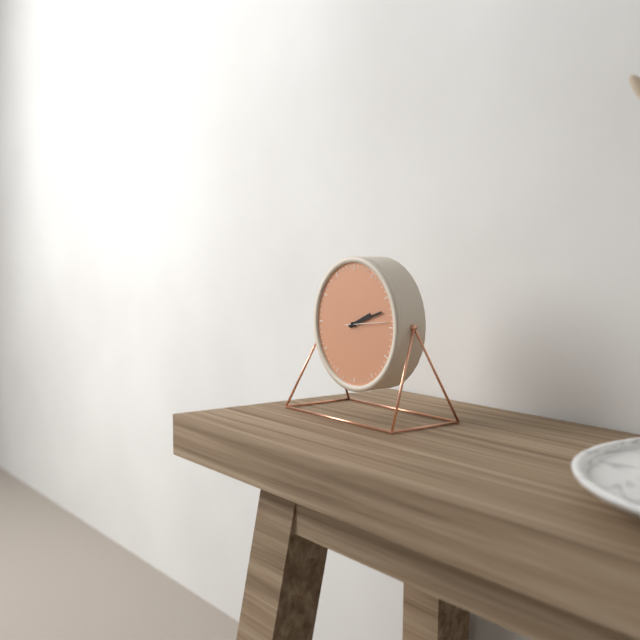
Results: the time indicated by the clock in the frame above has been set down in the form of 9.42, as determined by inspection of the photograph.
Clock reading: 2.12
